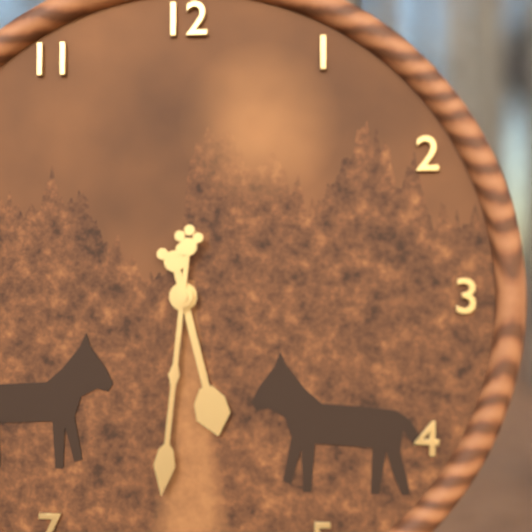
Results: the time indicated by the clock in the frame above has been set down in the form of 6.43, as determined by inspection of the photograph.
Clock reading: 5.31
